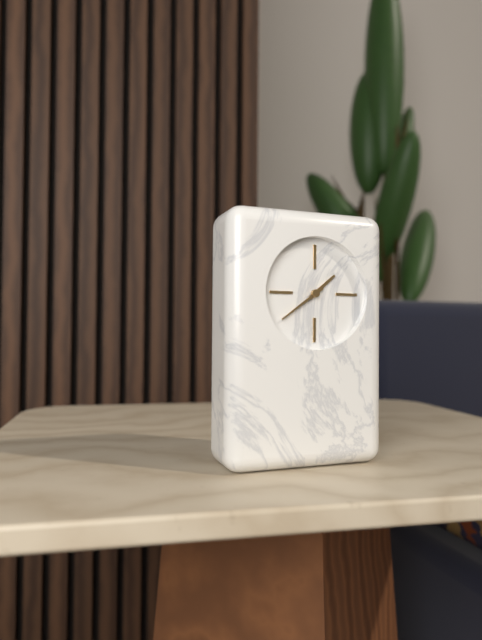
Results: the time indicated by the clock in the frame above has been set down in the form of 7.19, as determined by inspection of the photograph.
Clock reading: 1.39
